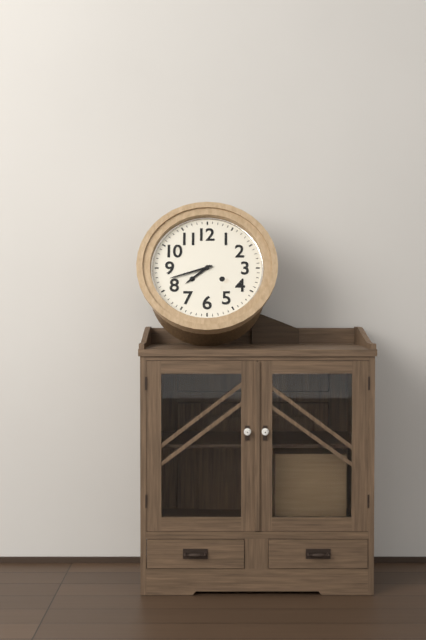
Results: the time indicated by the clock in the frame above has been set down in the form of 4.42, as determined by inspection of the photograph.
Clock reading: 7.42
